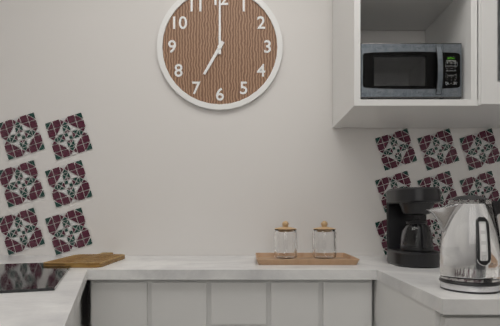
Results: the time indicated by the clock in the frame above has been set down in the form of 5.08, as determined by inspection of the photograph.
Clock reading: 7.00
